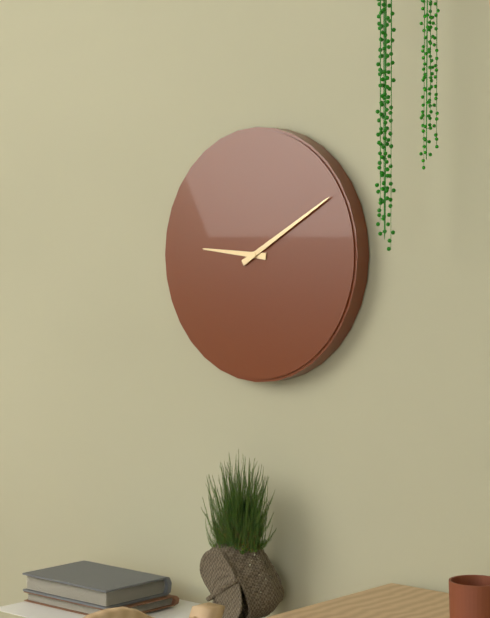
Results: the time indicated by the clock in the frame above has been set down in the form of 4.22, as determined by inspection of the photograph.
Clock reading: 9.10
